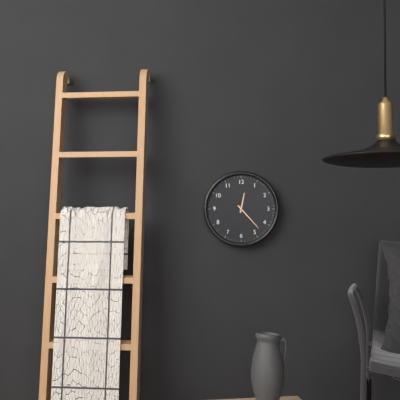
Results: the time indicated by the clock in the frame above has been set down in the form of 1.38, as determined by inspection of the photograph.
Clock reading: 12.23
